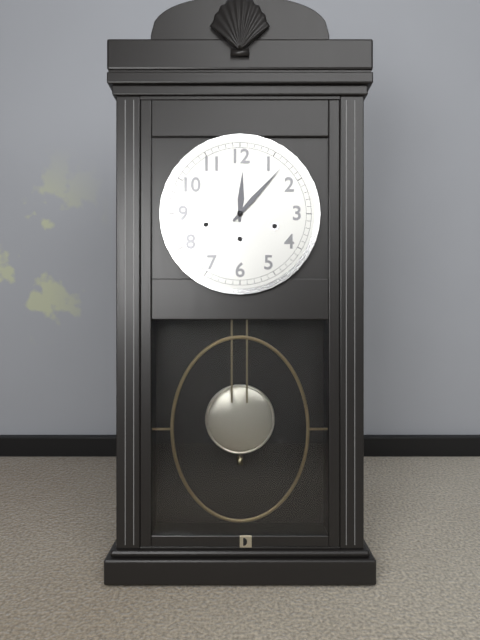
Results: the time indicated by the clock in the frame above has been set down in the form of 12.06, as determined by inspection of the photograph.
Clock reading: 12.07
